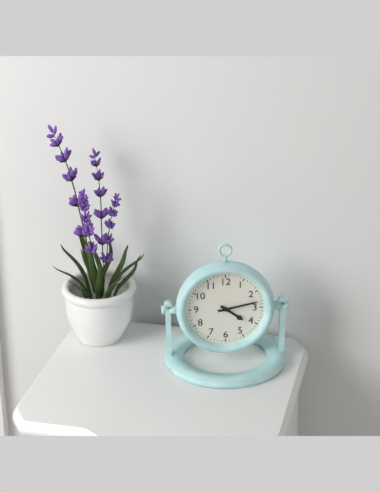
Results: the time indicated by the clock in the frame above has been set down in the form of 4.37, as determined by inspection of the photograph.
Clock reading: 4.13
